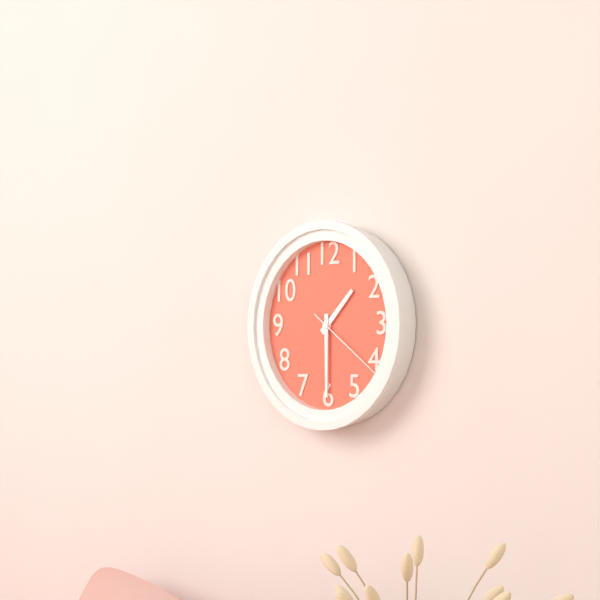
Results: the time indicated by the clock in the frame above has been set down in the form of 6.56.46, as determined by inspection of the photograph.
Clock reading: 1.30.21
